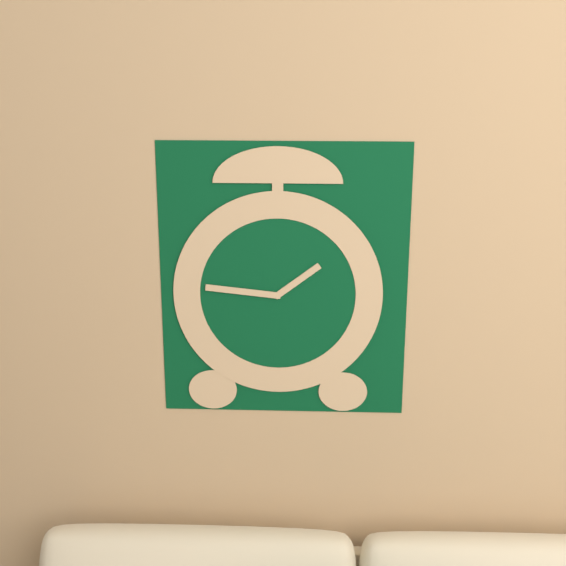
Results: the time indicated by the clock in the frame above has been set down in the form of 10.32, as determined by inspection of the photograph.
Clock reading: 1.46
